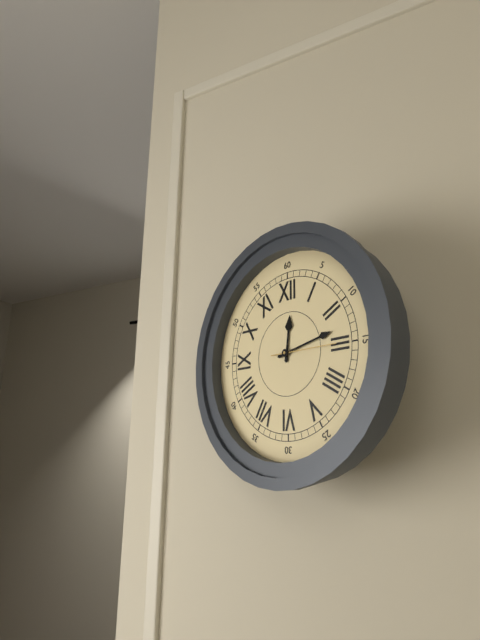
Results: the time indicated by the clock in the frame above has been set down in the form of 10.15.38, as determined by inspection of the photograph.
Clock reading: 12.13.15
